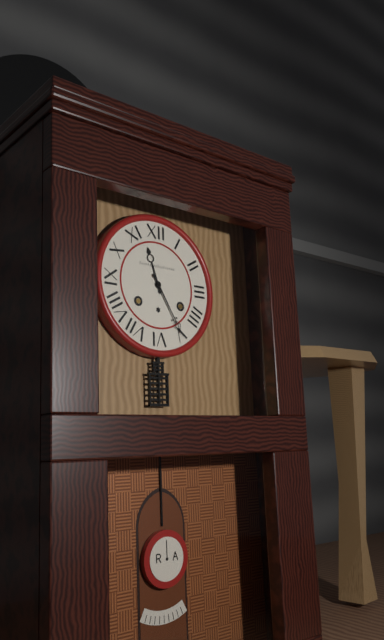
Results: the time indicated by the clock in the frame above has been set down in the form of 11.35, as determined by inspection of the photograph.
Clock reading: 11.25
